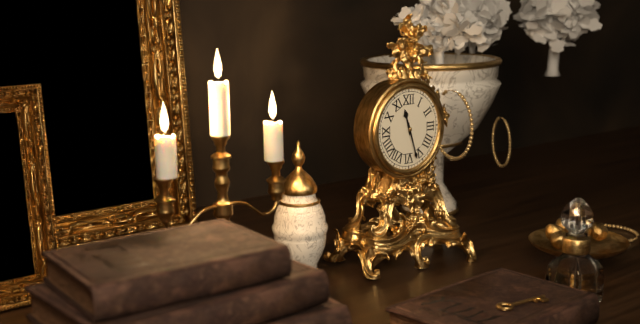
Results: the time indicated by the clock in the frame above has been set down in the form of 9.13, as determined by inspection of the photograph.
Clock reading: 11.27
